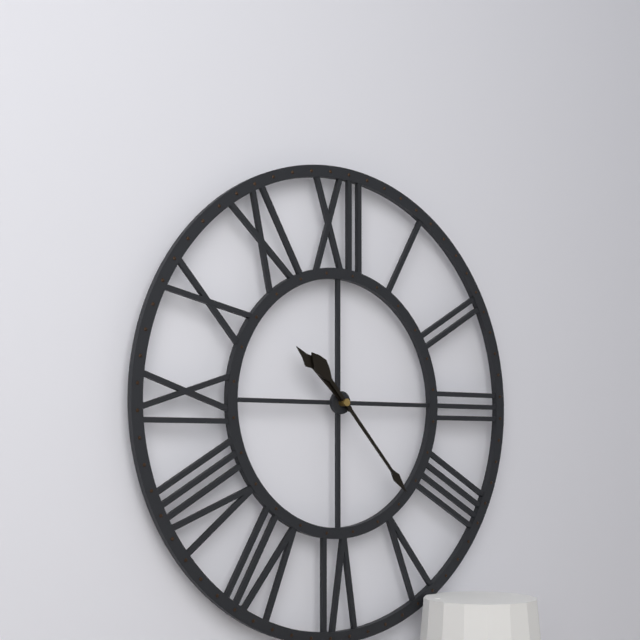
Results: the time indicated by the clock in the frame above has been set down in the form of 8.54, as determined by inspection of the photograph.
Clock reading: 10.23
